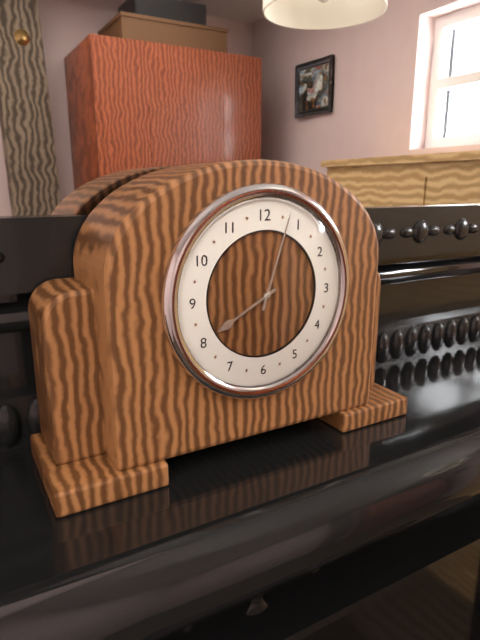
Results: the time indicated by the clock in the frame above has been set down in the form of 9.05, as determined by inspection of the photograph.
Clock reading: 8.03
